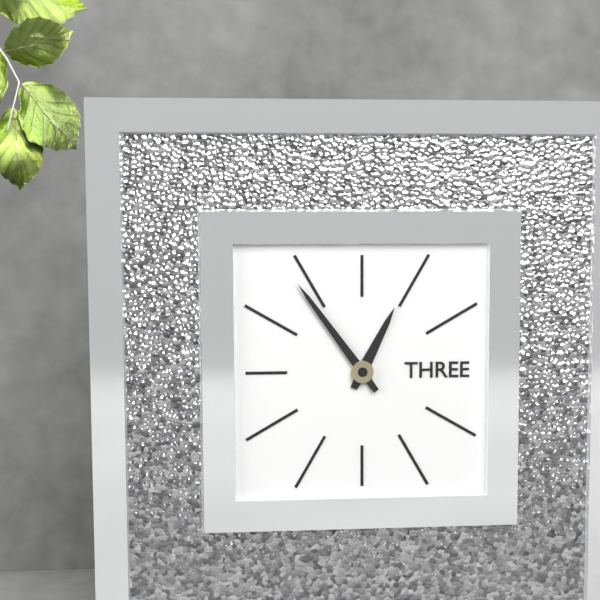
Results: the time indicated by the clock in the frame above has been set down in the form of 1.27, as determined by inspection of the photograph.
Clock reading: 12.54
